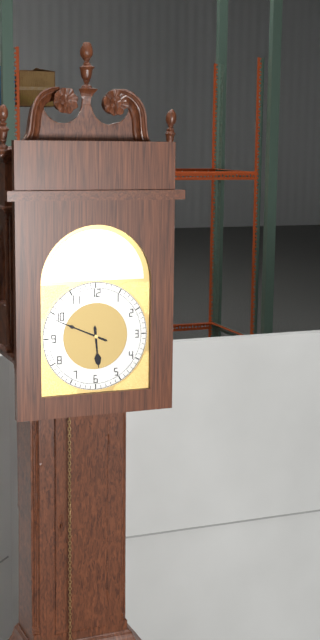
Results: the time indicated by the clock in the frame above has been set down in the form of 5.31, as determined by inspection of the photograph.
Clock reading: 5.49
